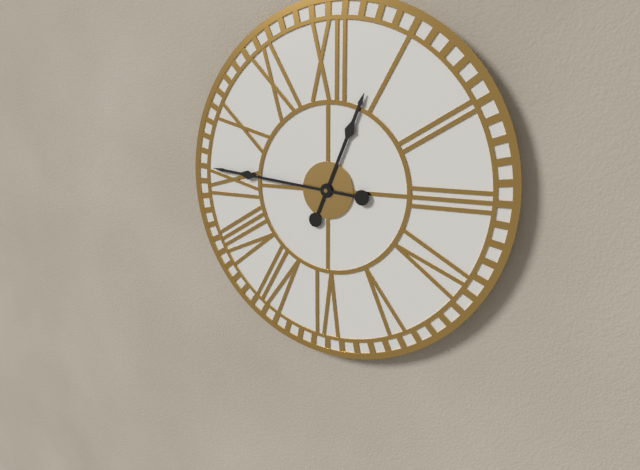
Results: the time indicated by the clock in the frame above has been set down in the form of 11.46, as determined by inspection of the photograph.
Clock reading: 12.46
